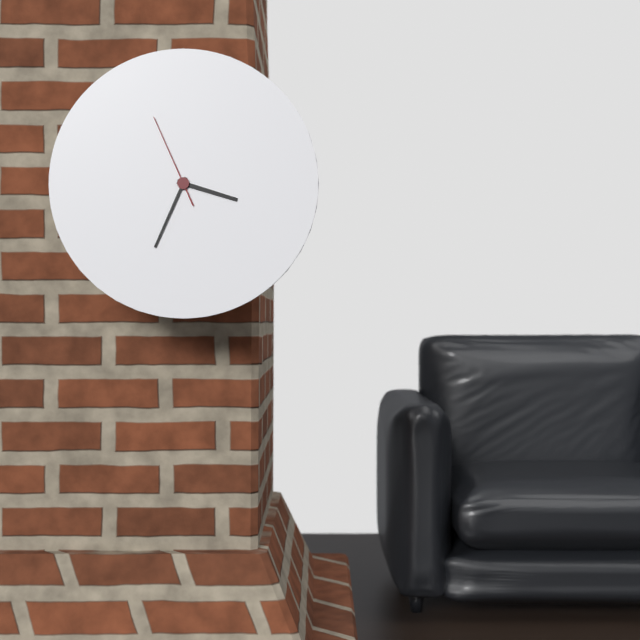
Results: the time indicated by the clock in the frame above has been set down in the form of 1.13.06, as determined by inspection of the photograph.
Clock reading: 3.34.56
